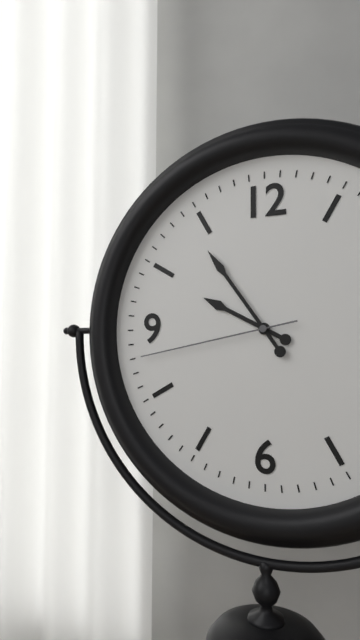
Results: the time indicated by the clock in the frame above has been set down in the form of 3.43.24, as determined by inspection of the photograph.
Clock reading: 9.54.43
